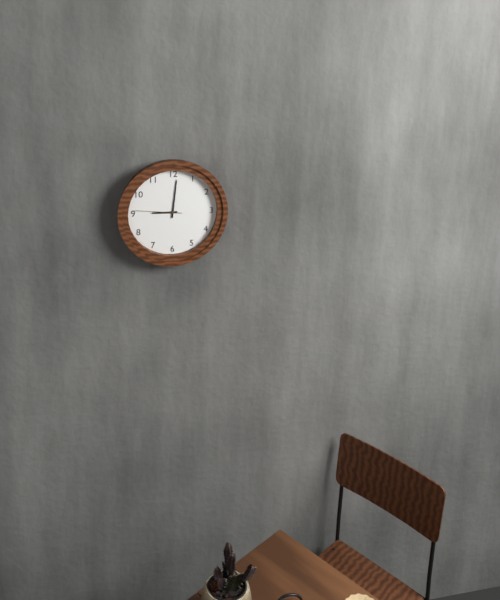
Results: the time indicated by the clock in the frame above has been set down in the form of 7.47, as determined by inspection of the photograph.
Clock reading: 9.01
